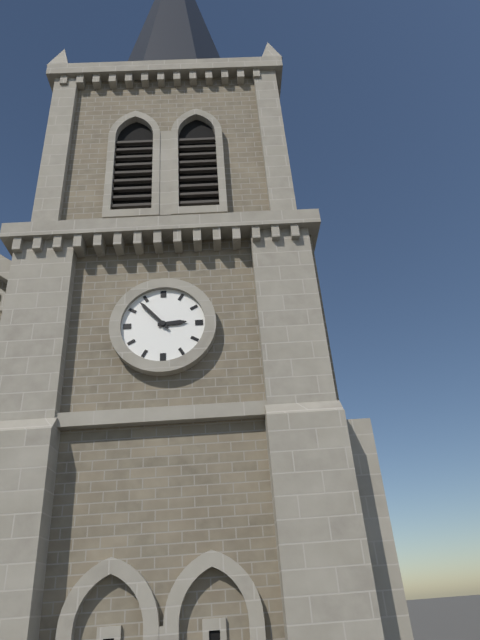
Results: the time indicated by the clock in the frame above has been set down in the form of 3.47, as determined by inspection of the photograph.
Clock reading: 2.53
